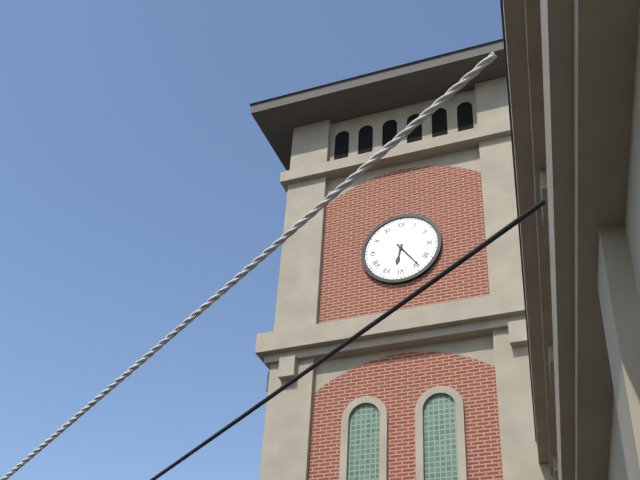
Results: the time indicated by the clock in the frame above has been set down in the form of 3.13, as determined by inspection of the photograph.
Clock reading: 6.24
